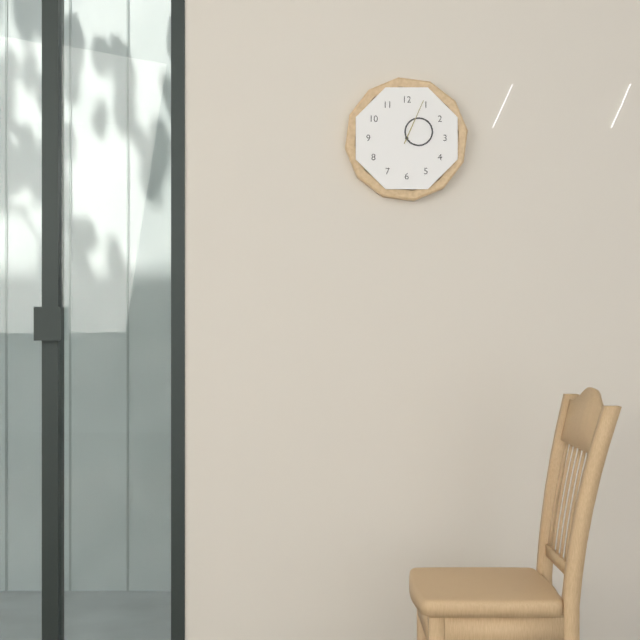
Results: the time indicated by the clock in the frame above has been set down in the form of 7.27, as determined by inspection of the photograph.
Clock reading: 2.04
